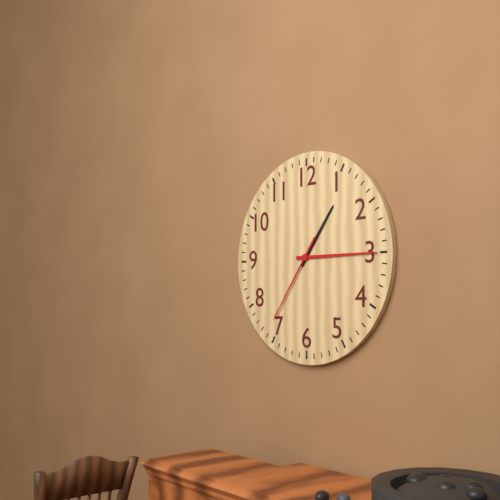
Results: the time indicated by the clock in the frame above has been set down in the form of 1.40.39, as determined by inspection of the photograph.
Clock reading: 1.15.36
